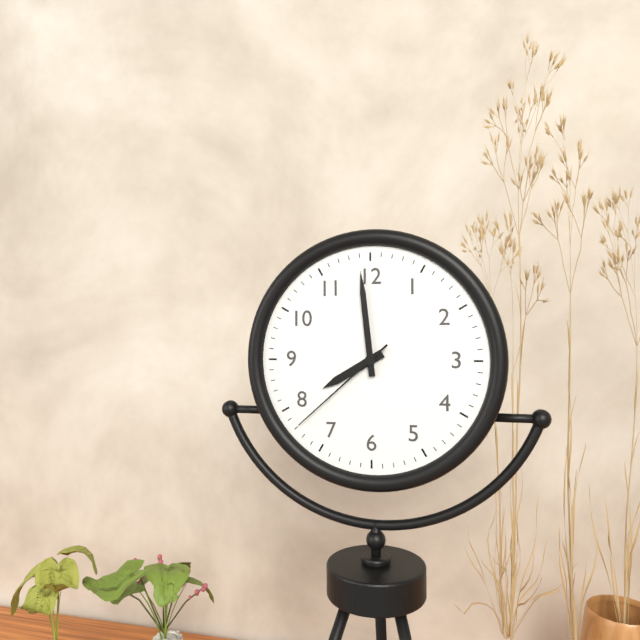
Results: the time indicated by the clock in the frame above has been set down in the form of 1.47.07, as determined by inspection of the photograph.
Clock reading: 7.59.38
